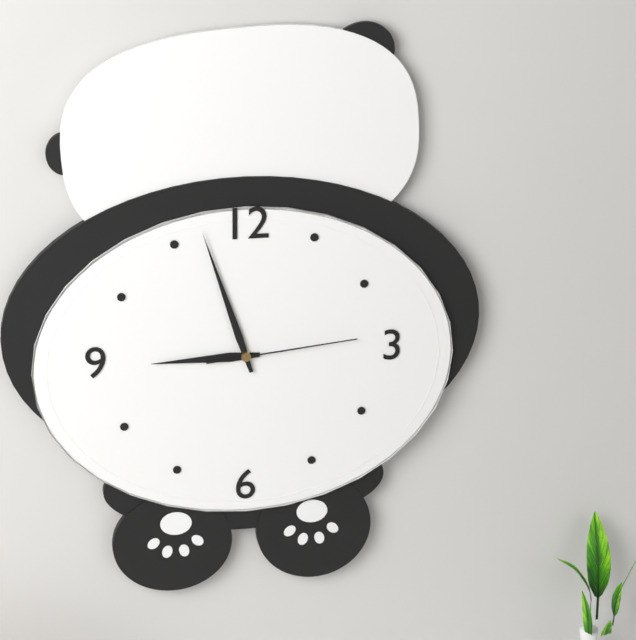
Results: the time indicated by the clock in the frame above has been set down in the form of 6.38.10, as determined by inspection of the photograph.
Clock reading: 8.57.14
